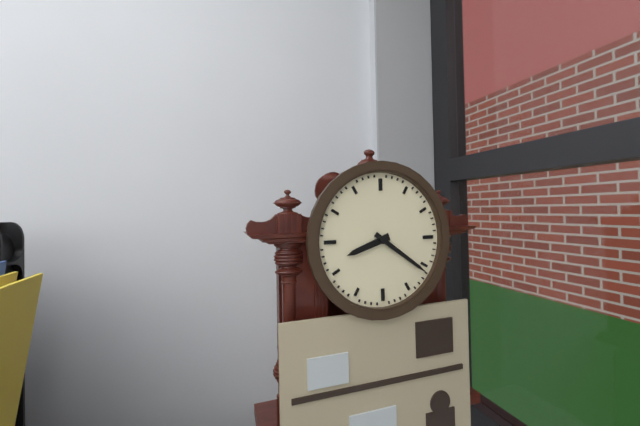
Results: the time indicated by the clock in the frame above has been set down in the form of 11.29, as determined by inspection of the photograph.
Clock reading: 8.21
